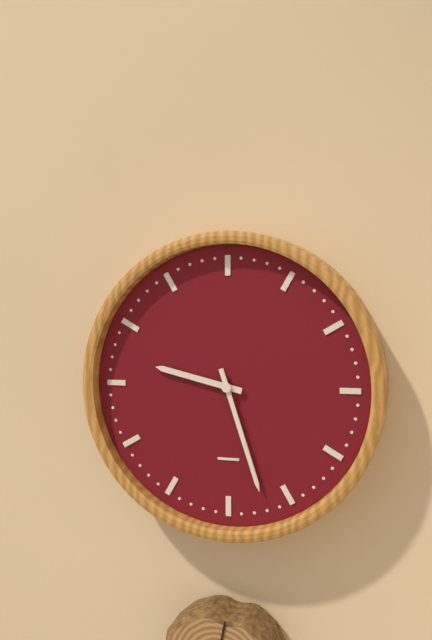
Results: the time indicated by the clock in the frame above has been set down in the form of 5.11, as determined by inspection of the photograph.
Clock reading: 9.27
